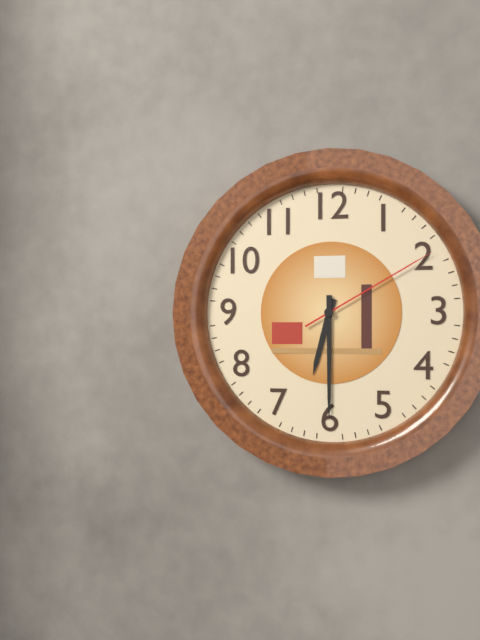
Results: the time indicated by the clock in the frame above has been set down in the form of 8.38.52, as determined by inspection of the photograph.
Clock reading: 6.30.10
